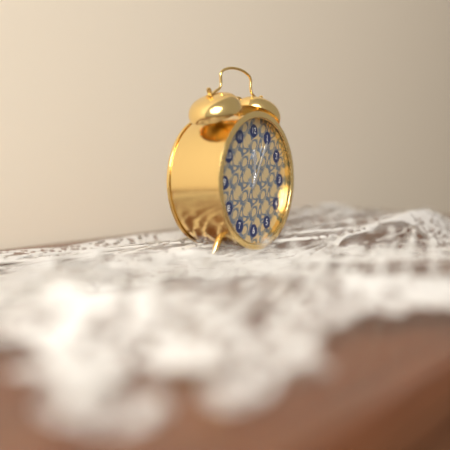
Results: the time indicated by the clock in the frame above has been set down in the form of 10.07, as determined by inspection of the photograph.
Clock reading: 12.05
